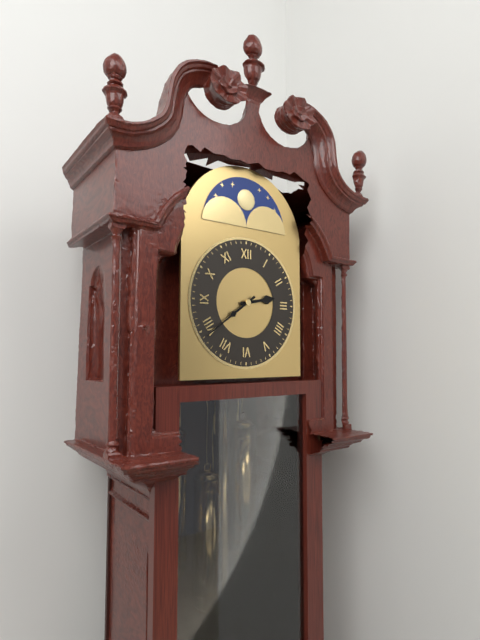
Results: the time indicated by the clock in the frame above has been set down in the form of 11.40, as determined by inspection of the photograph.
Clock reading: 2.39
